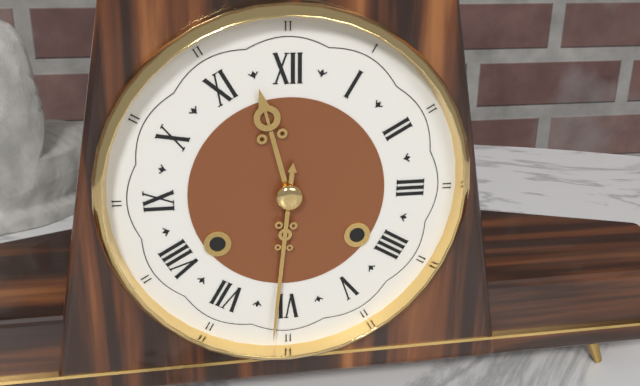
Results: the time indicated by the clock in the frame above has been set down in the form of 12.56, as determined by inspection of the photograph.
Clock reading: 11.31
